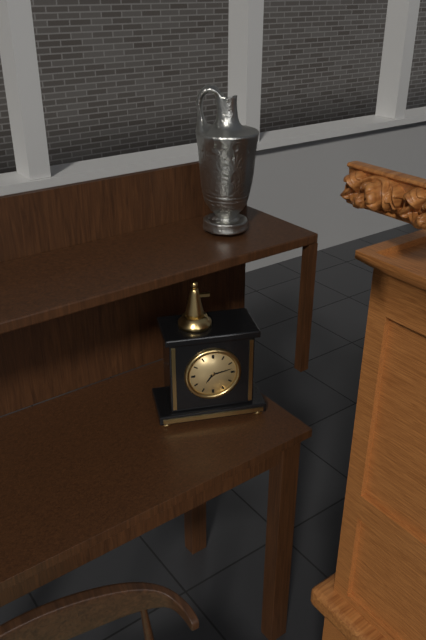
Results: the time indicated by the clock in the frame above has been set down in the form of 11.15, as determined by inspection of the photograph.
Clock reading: 7.13
